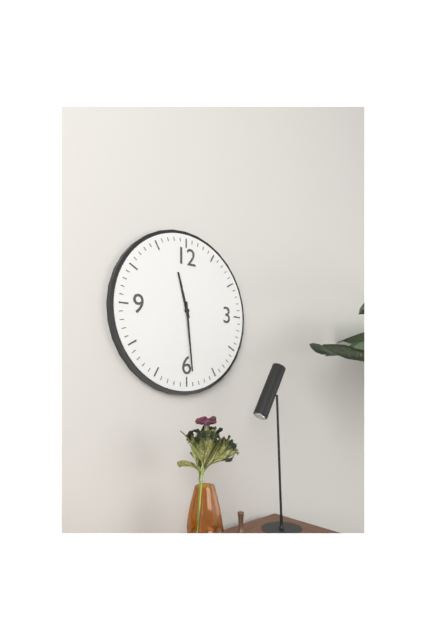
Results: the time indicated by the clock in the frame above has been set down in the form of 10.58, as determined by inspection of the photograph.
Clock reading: 11.29
